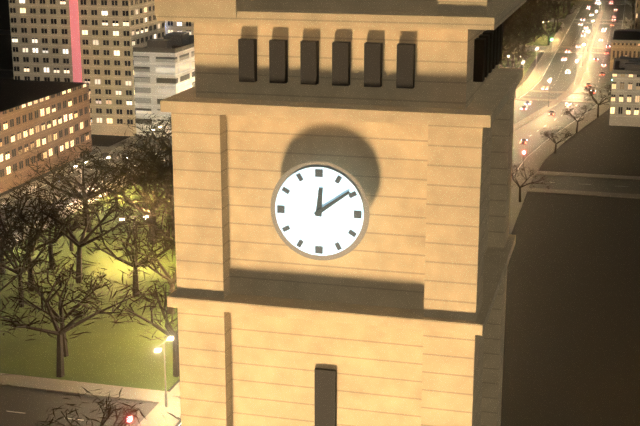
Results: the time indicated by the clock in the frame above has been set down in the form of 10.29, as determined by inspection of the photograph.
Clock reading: 12.09
